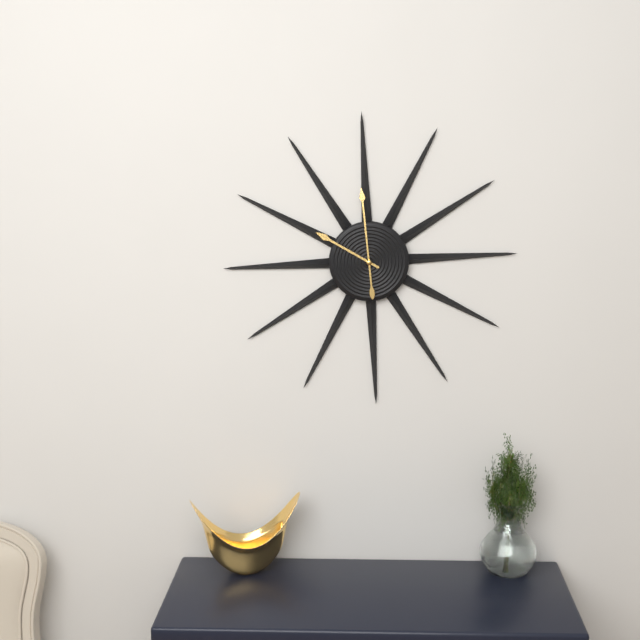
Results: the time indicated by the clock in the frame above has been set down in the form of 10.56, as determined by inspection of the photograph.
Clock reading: 9.59
